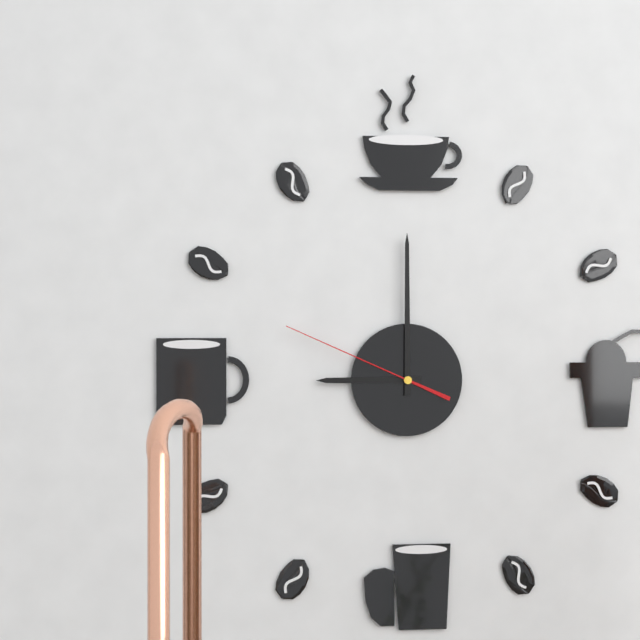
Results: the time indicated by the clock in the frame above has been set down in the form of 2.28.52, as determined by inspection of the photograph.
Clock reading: 9.00.49
